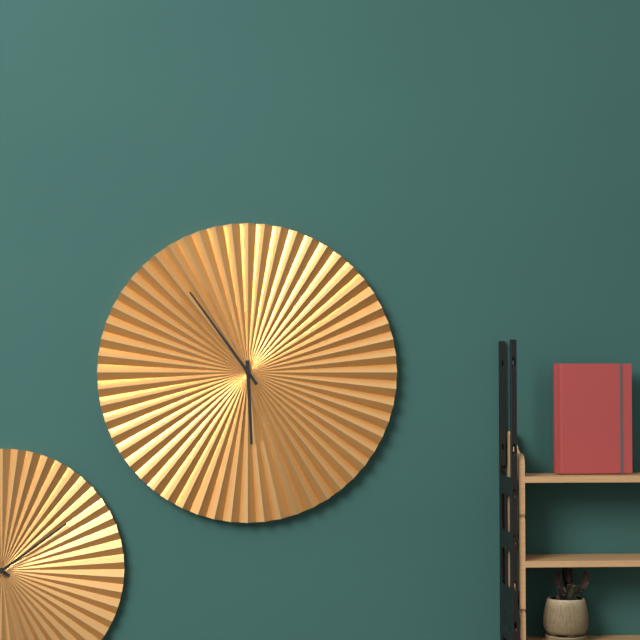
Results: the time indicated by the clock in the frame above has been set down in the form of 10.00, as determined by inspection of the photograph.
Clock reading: 5.54
